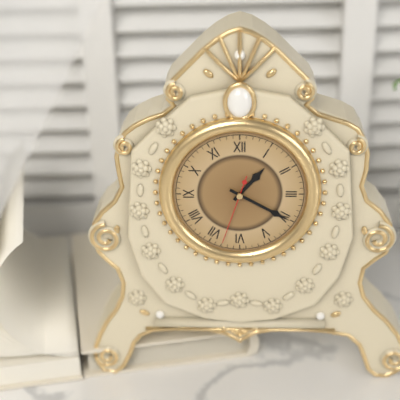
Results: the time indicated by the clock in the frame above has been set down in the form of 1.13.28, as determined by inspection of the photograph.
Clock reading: 1.20.33
